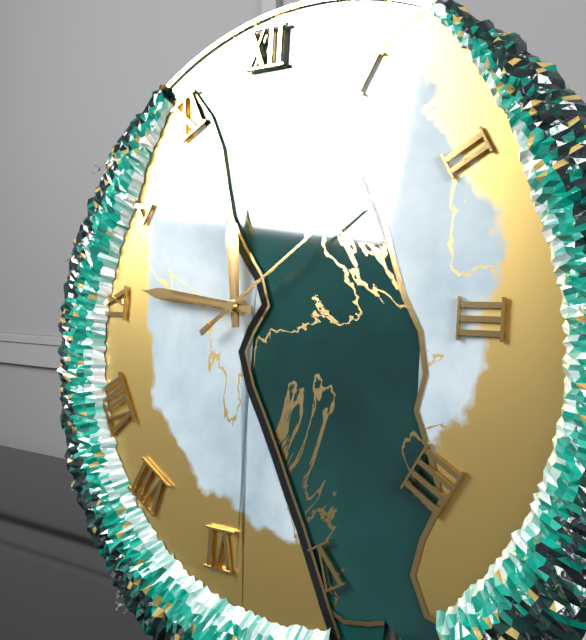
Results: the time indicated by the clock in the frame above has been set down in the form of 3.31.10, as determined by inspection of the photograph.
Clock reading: 11.46.09
